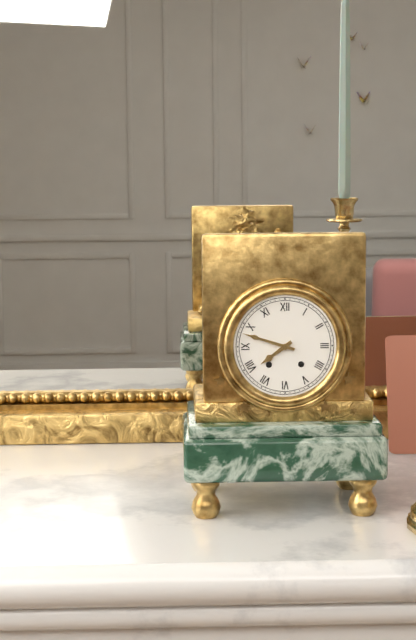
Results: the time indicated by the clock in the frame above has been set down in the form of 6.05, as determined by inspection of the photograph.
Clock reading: 7.48
